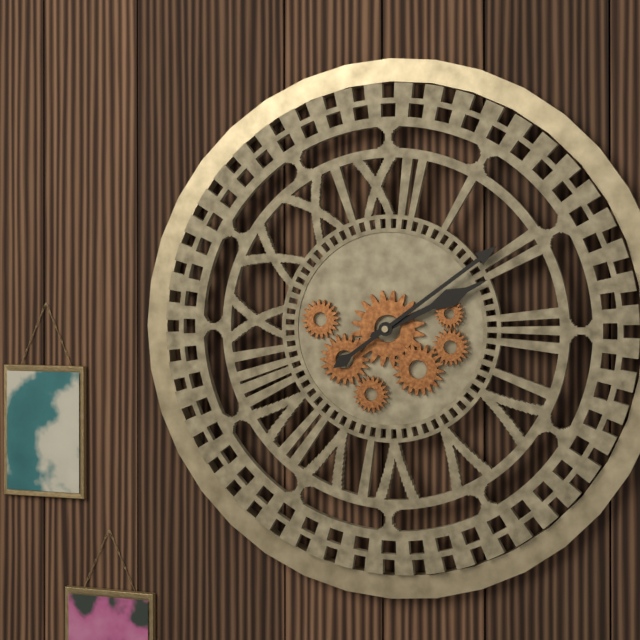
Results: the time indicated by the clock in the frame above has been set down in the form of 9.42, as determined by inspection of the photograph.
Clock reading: 2.09
